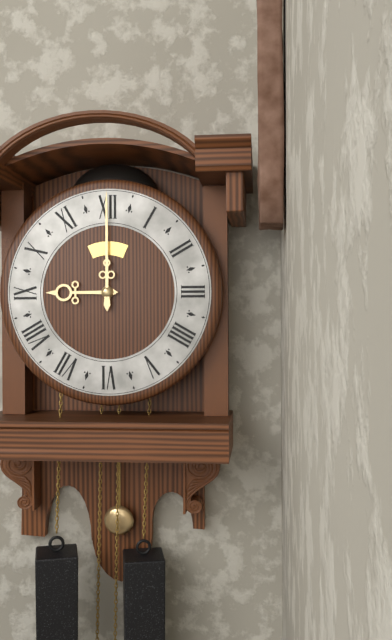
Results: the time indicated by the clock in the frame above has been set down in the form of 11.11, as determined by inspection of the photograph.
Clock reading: 9.00
